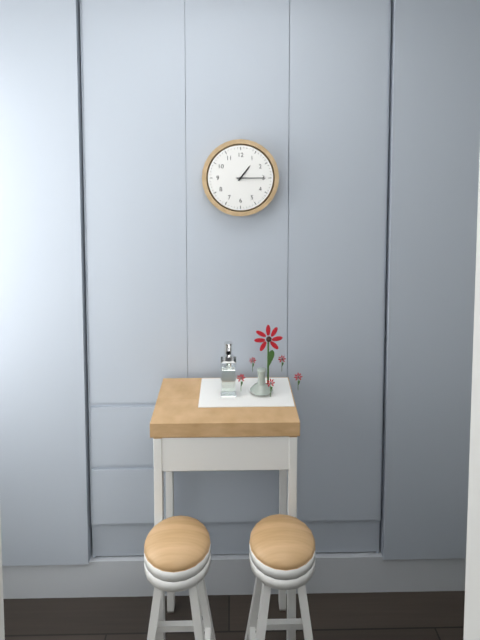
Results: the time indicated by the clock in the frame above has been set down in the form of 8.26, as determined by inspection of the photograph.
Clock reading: 1.15
